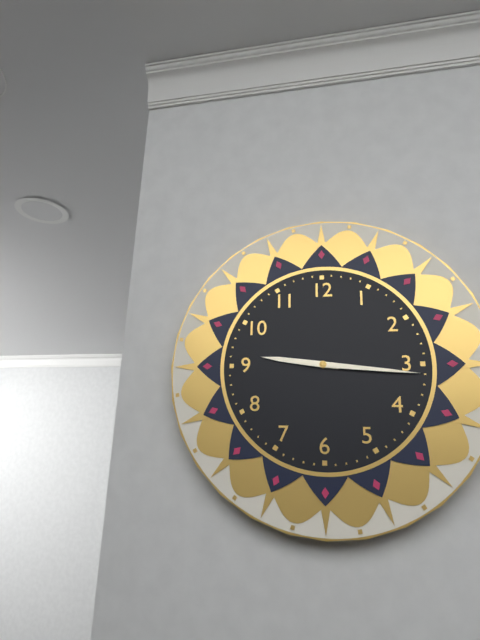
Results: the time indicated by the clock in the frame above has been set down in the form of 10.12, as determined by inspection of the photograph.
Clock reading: 9.16
